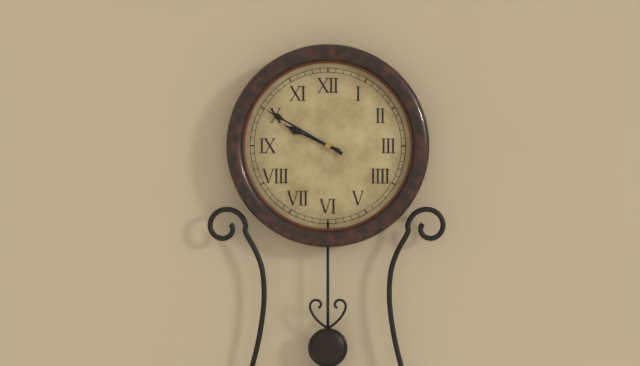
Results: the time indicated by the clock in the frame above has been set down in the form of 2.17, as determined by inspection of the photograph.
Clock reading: 9.50
